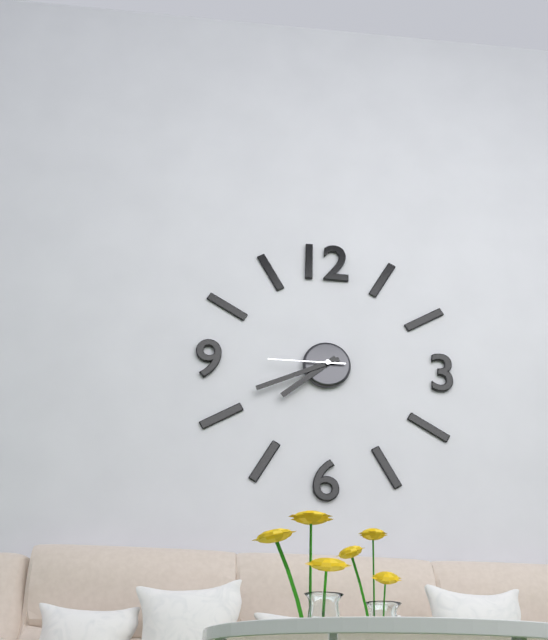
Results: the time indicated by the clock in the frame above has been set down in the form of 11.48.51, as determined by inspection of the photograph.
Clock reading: 7.41.45
